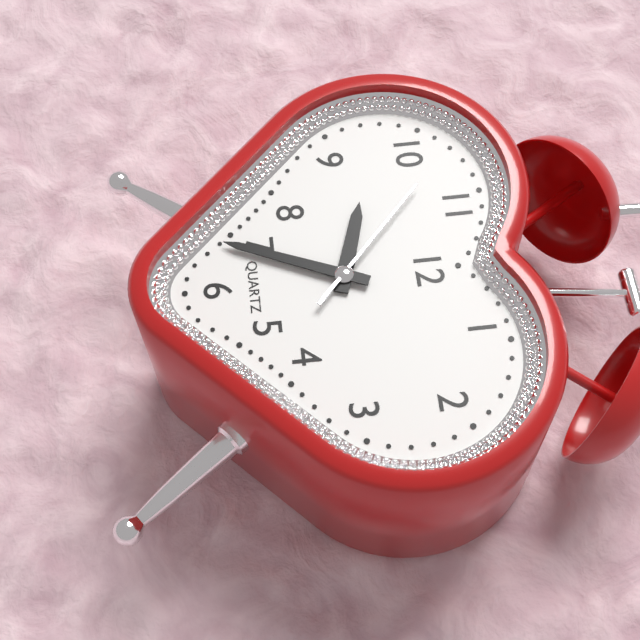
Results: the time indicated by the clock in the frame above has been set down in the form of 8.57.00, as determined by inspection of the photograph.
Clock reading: 9.34.52
